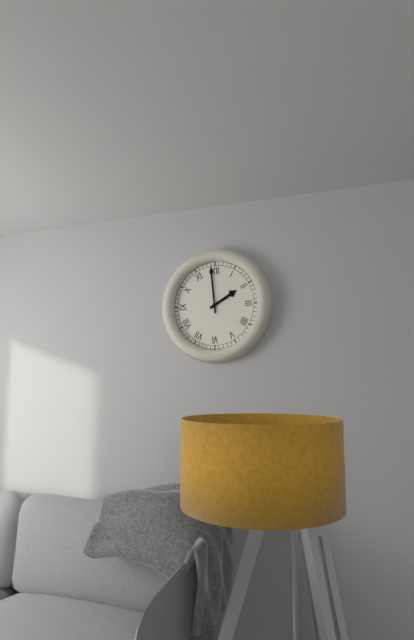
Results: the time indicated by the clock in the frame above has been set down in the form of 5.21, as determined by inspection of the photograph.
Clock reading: 1.59
